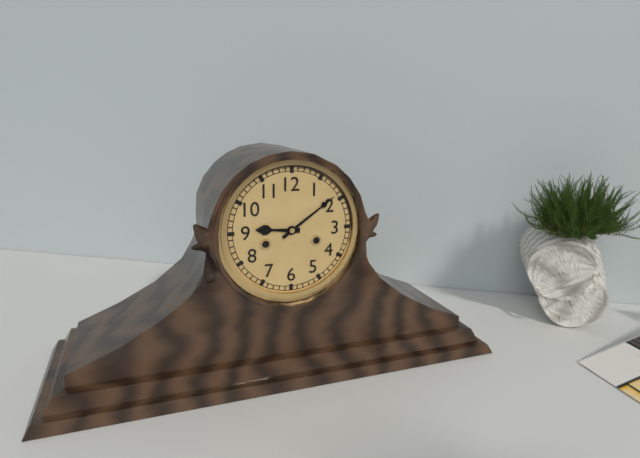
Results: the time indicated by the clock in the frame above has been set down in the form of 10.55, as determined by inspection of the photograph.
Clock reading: 9.09
